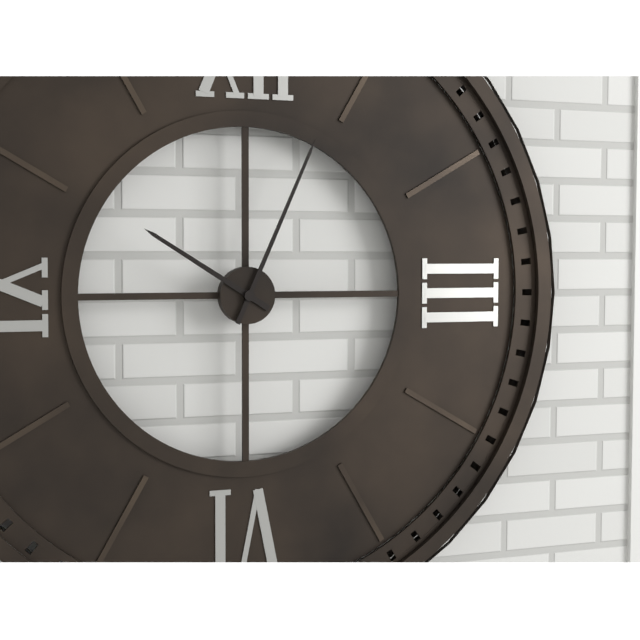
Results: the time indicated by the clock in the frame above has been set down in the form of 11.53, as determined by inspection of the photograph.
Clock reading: 10.04
